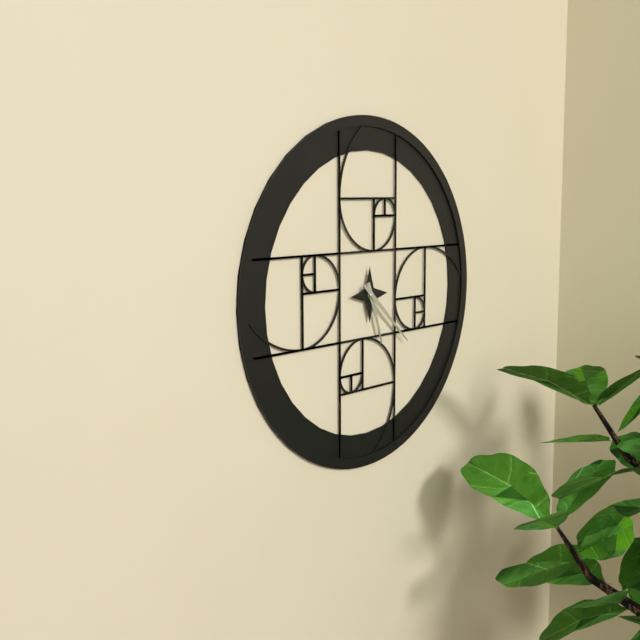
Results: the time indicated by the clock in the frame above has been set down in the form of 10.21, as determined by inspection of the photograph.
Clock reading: 5.22
